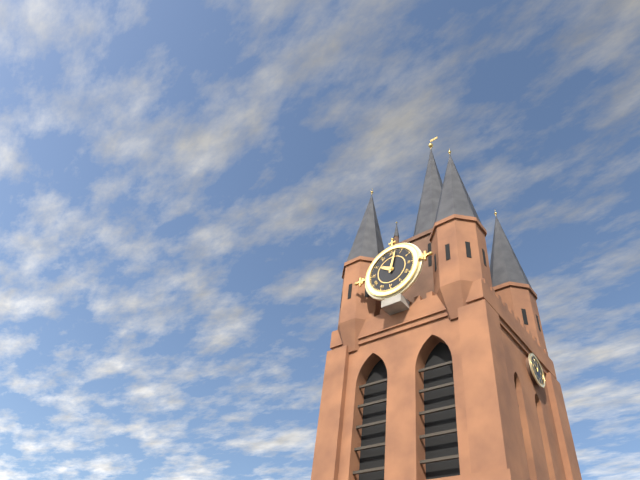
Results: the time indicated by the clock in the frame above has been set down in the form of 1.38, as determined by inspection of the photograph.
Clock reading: 10.02
